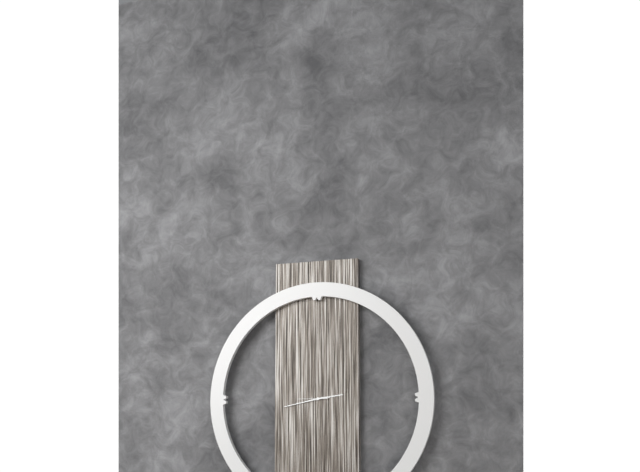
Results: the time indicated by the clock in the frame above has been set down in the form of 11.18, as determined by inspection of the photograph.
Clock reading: 2.43
